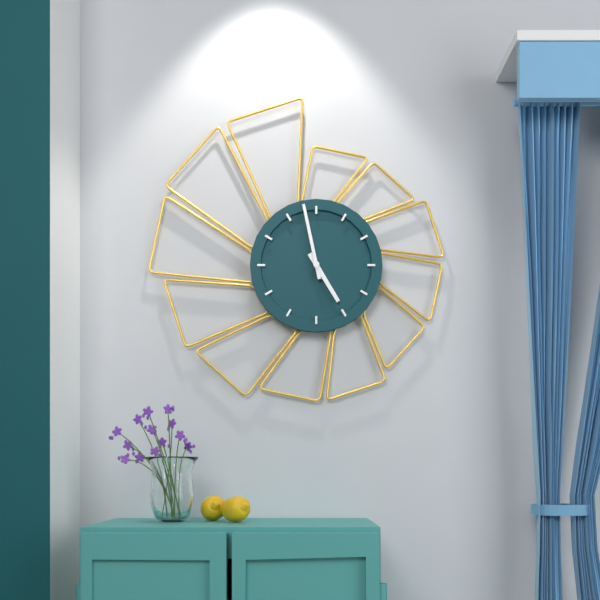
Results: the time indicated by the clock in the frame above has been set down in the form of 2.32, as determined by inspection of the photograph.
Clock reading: 4.58
